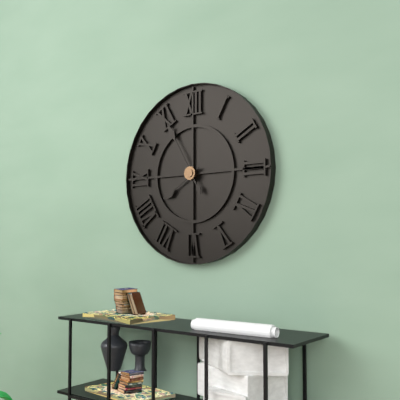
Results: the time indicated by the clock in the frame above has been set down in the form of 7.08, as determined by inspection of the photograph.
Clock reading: 7.55
